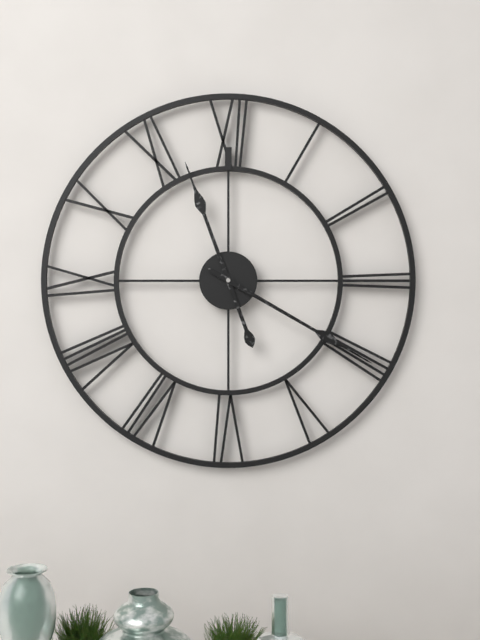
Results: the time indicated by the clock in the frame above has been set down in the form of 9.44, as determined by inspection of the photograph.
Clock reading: 11.20
